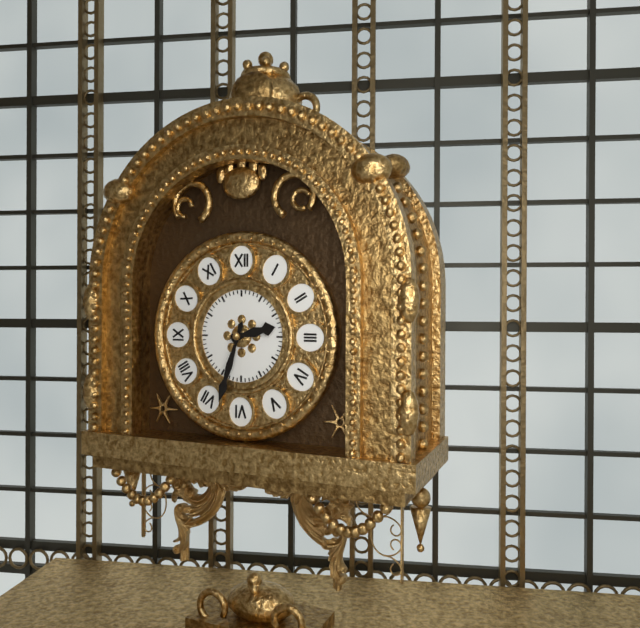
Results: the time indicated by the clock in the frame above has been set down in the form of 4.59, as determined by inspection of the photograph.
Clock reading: 2.33
